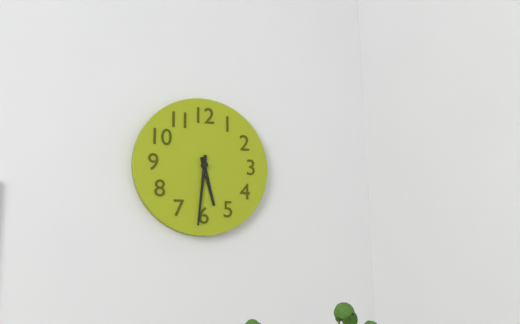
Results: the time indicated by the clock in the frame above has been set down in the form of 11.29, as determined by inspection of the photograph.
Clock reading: 5.31
